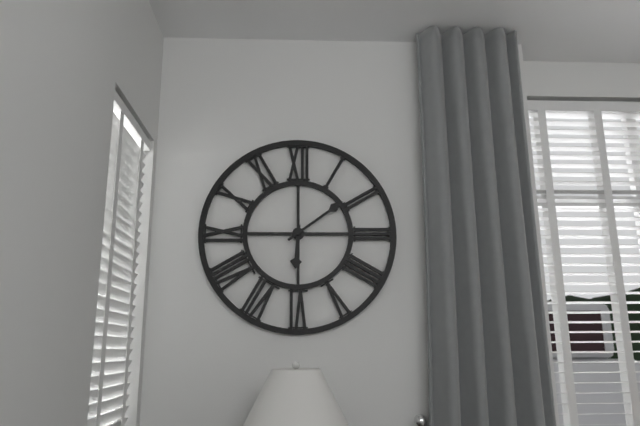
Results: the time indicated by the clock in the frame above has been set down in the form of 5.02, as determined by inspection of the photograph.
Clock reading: 6.09
